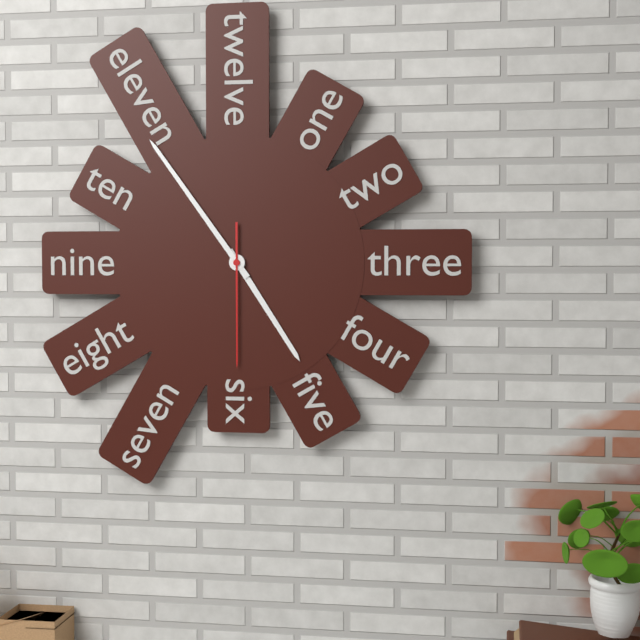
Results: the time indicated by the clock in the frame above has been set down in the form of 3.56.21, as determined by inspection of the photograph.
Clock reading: 4.54.30
